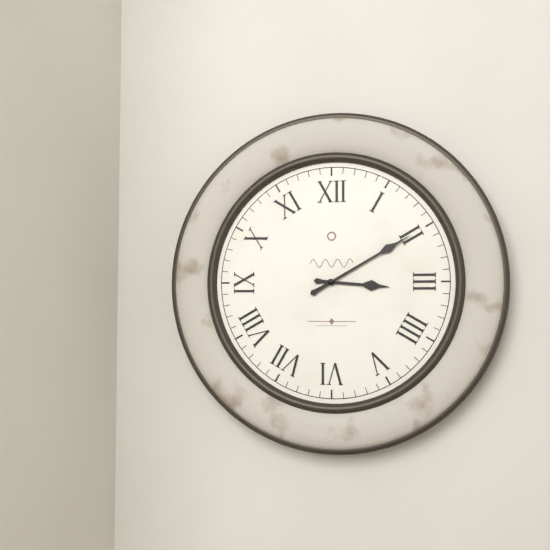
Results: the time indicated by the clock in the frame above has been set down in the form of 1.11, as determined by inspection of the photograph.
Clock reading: 3.10
